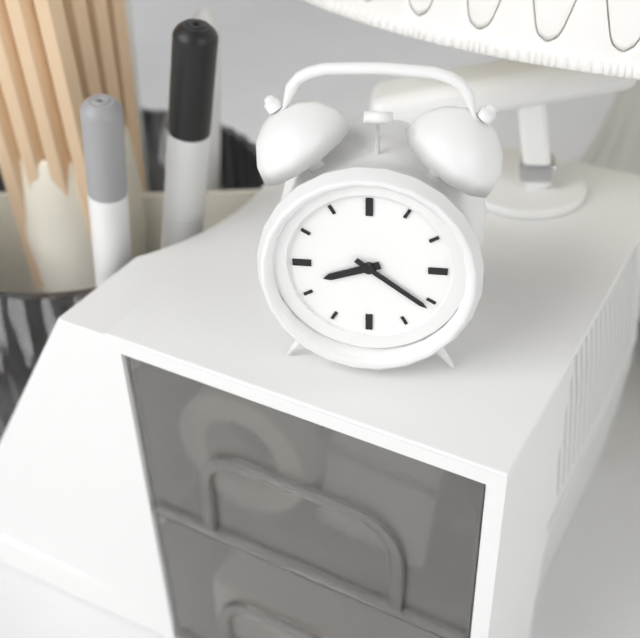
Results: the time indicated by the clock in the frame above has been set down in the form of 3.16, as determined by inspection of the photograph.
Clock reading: 8.21
